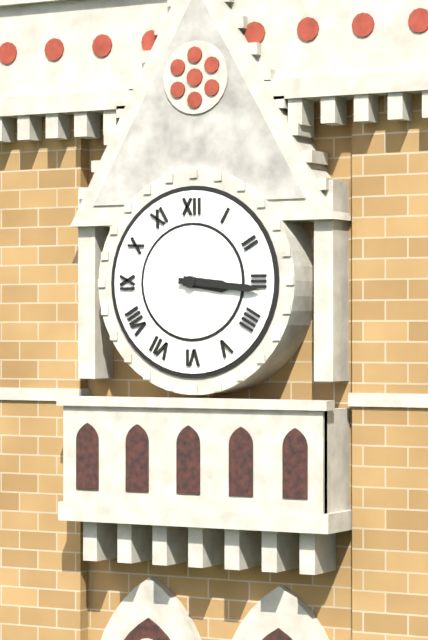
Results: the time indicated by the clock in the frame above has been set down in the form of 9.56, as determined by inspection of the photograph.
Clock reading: 3.16
